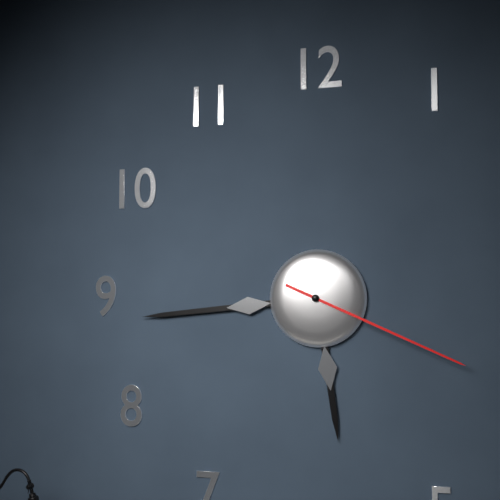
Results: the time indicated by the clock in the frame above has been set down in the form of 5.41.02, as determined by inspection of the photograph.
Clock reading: 5.44.19
